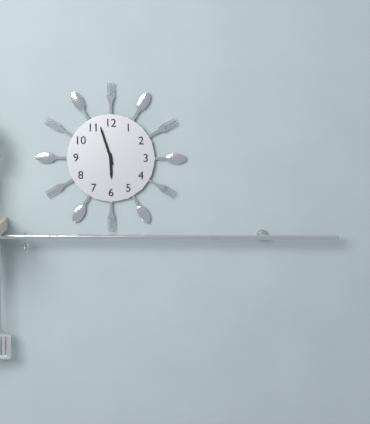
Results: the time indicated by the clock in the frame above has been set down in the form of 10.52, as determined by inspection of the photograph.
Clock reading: 5.57
